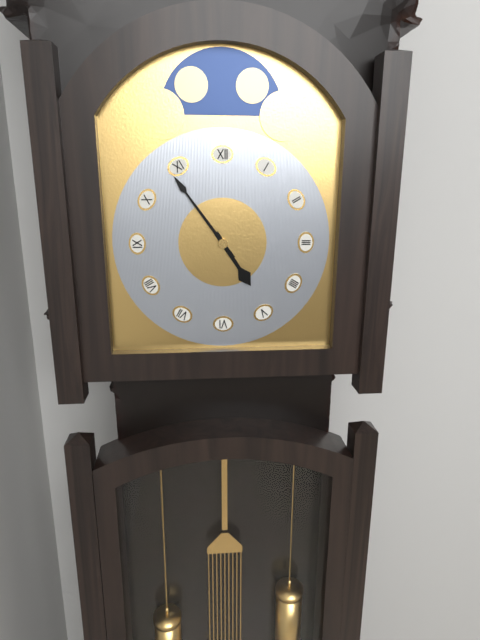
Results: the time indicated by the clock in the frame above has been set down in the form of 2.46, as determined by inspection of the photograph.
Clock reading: 4.54
